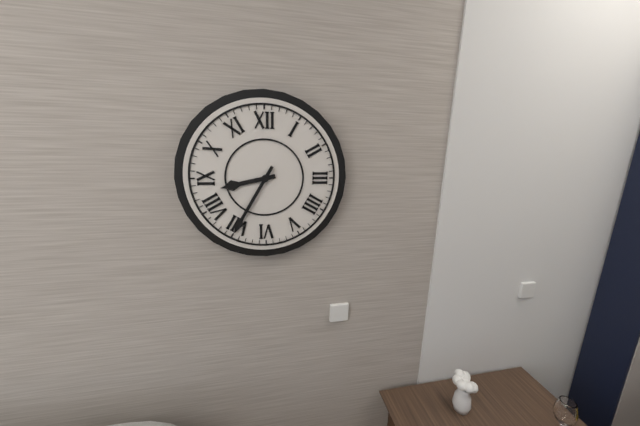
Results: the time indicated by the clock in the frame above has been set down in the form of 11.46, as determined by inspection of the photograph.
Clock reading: 8.35
